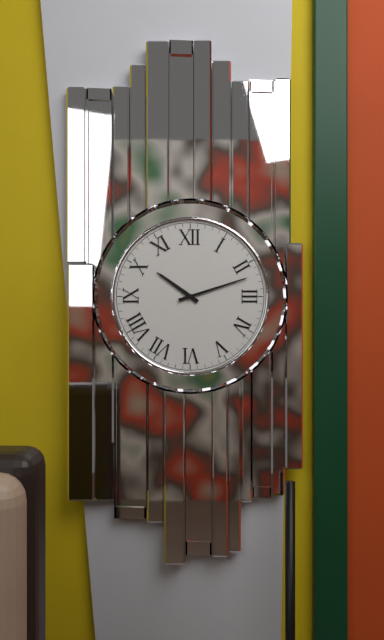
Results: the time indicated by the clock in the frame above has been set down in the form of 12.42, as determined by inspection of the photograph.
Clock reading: 10.12
